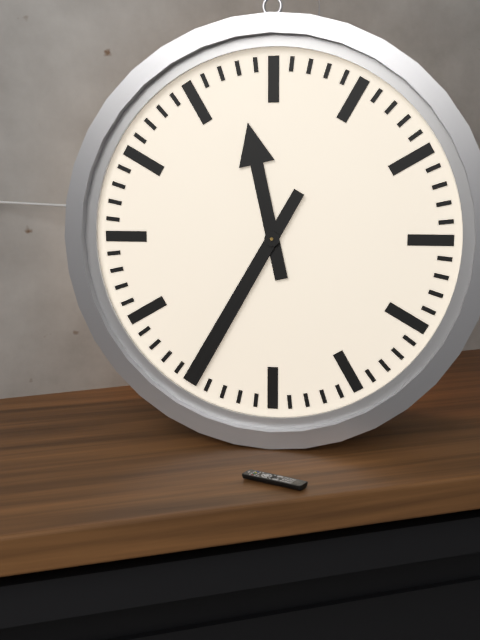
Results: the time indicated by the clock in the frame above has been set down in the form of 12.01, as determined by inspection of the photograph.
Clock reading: 11.35
